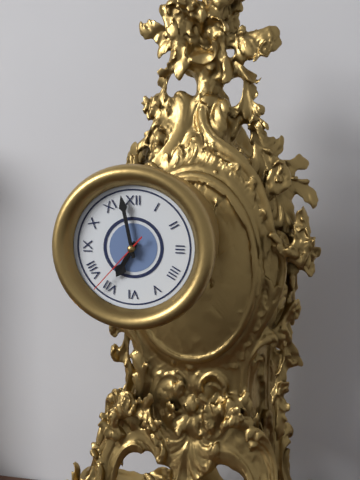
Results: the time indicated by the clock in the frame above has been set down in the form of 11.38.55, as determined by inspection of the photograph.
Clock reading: 6.58.37
